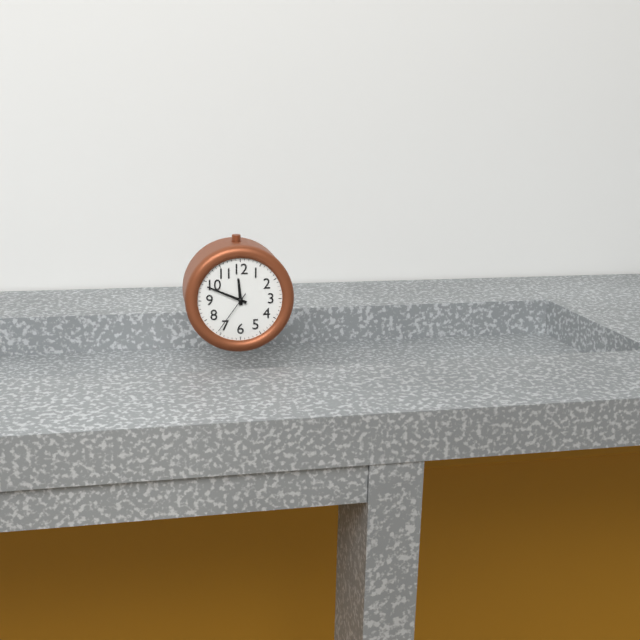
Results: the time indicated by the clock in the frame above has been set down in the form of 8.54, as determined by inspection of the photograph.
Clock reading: 11.49
